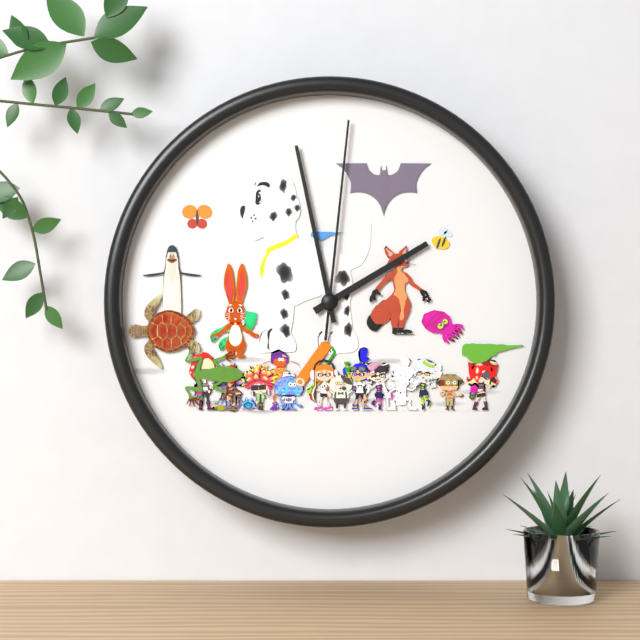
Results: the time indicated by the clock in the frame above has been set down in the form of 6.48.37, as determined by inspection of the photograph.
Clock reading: 1.58.01
